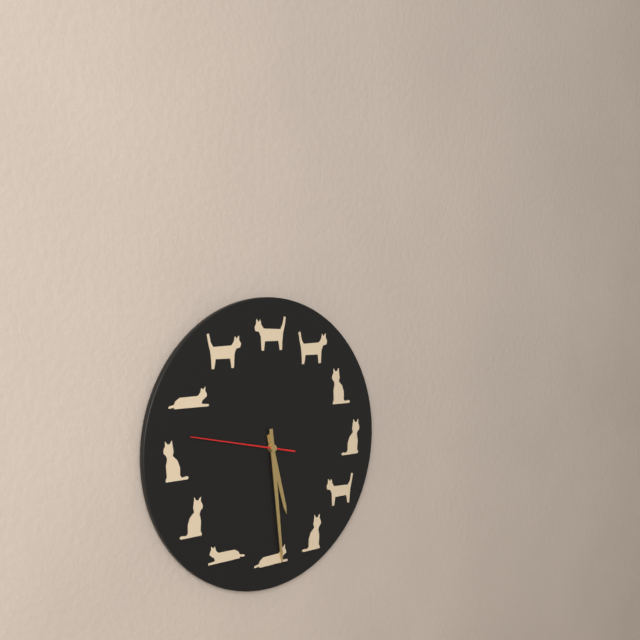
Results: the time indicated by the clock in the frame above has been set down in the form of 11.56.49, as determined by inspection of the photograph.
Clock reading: 5.29.47
